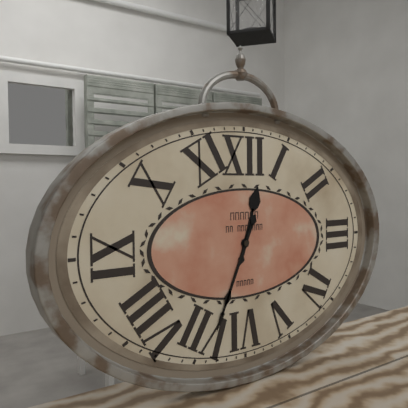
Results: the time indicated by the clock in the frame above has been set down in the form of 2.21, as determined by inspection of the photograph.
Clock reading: 12.34
